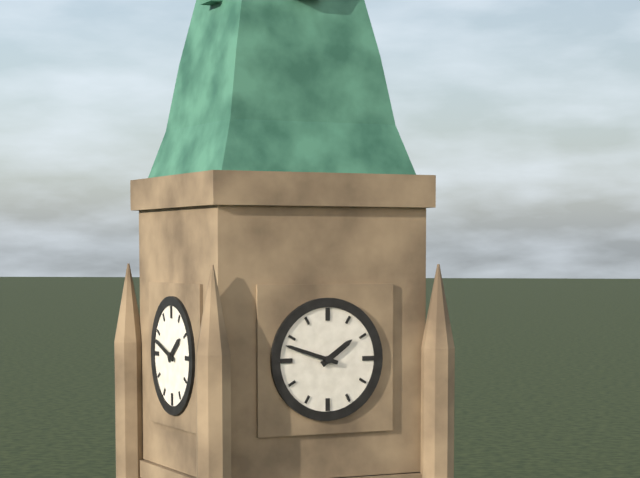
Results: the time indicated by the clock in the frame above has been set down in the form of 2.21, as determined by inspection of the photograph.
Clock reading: 1.48
